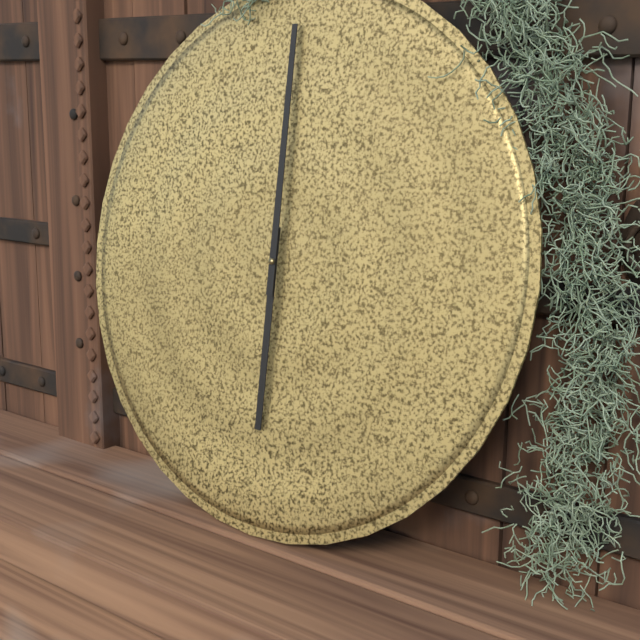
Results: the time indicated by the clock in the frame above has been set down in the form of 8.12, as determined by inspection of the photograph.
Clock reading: 6.00
